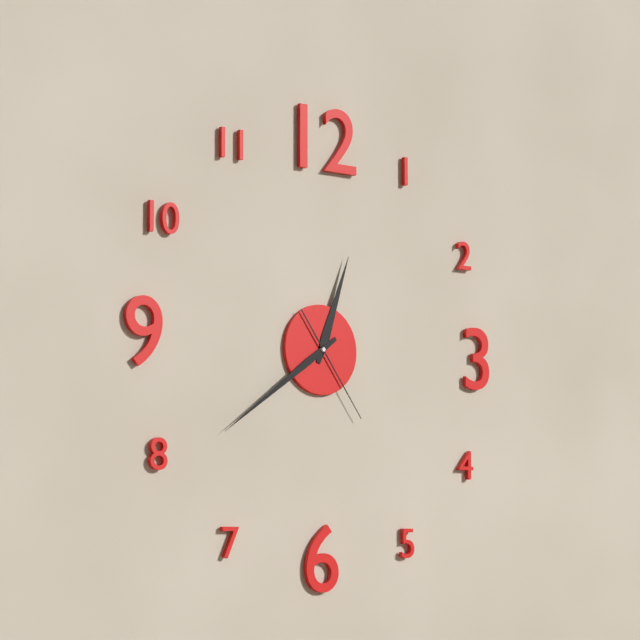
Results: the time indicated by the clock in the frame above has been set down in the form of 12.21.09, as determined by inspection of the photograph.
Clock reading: 12.39.24
